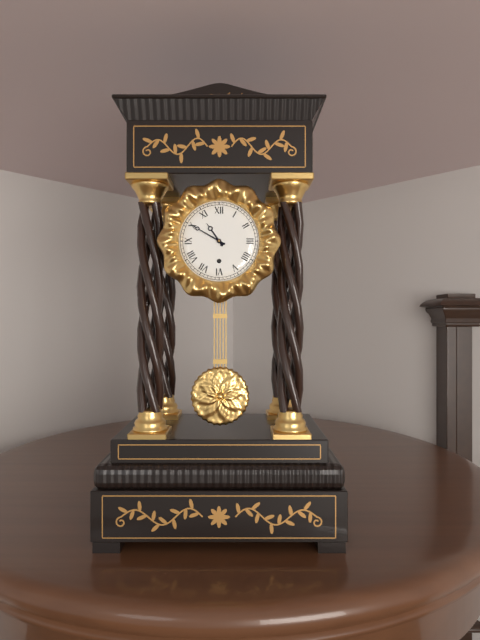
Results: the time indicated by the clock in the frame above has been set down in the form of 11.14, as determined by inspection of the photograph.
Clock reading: 10.50
